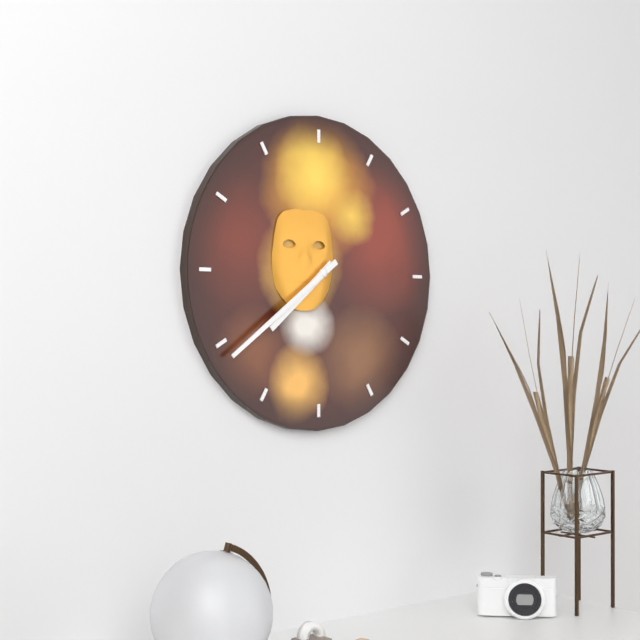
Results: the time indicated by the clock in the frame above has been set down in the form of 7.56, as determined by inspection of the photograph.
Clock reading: 7.39
